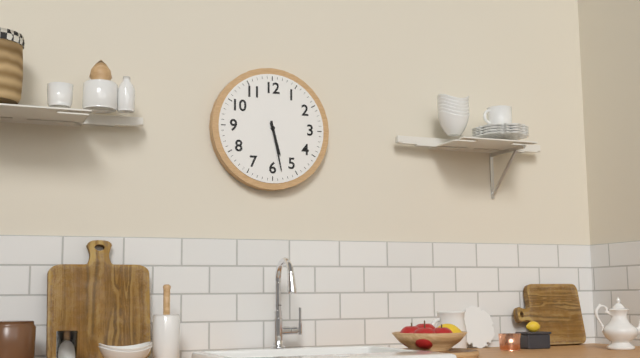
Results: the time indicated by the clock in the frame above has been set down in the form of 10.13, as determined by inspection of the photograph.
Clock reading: 5.28
